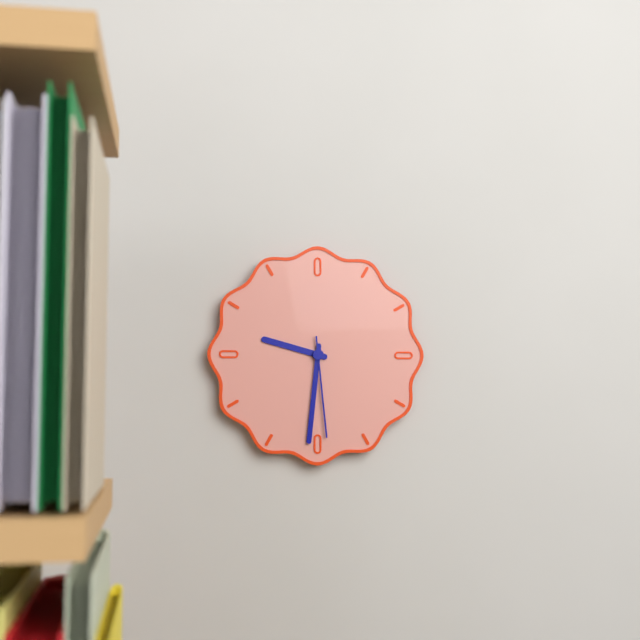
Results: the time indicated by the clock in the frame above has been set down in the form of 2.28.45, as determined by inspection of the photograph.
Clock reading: 9.31.29
